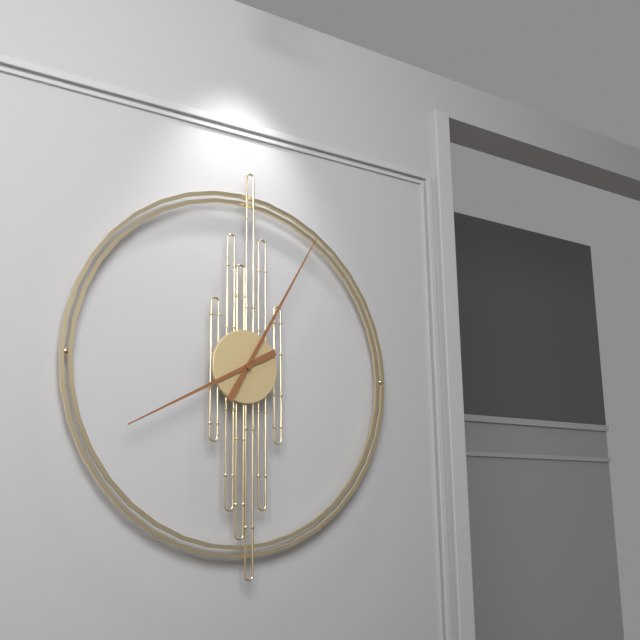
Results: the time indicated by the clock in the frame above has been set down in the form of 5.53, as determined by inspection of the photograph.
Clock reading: 8.05
